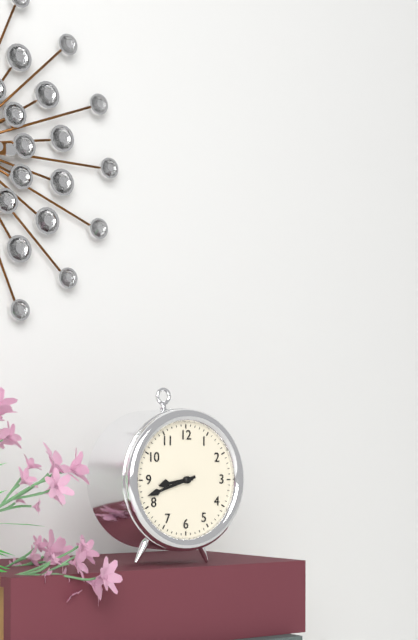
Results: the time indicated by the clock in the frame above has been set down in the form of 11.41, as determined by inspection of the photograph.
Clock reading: 8.42
